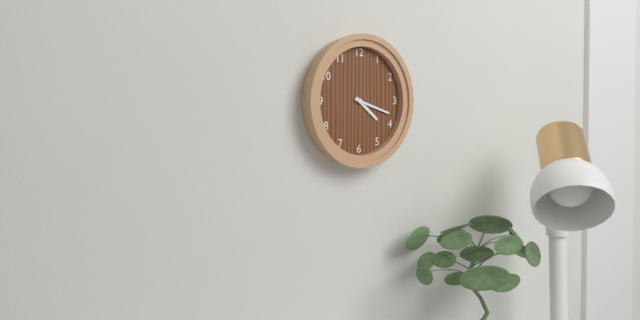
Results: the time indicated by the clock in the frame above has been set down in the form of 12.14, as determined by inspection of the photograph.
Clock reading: 4.18
